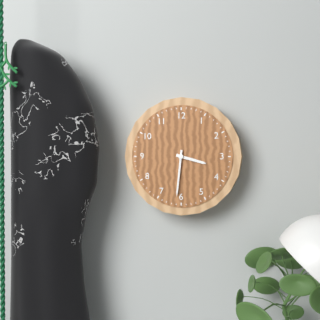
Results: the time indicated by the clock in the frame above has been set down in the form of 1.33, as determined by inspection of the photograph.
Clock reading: 3.31
